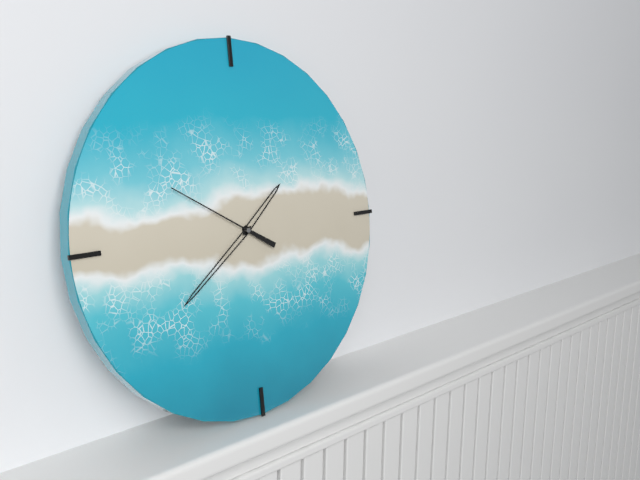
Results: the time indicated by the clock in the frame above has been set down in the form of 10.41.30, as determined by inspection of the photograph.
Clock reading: 1.39.50
